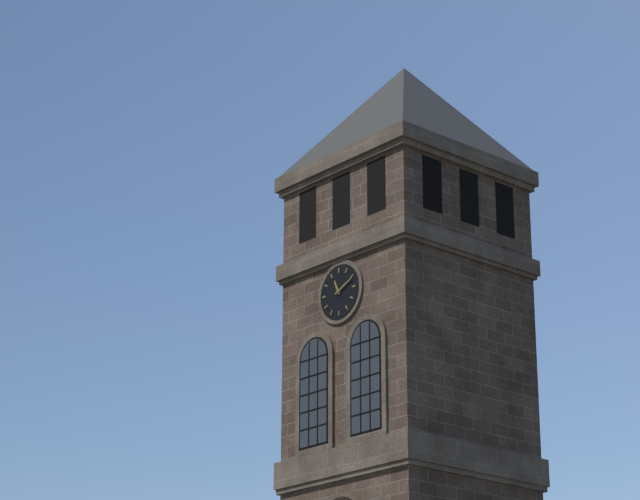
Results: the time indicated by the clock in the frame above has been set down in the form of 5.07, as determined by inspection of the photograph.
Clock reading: 11.11
